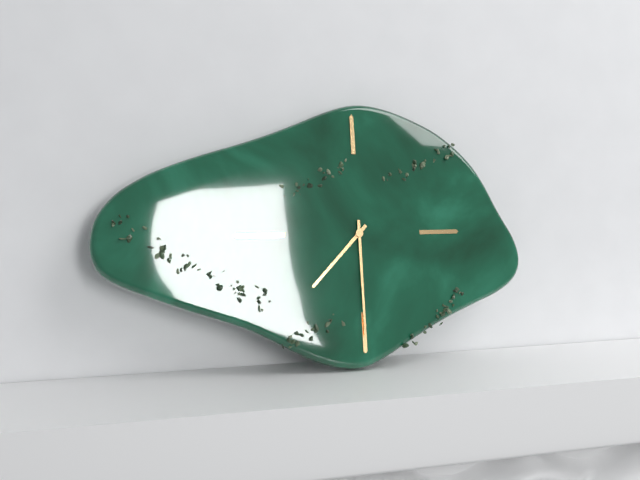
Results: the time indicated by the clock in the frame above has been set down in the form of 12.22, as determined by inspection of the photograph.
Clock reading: 7.30
